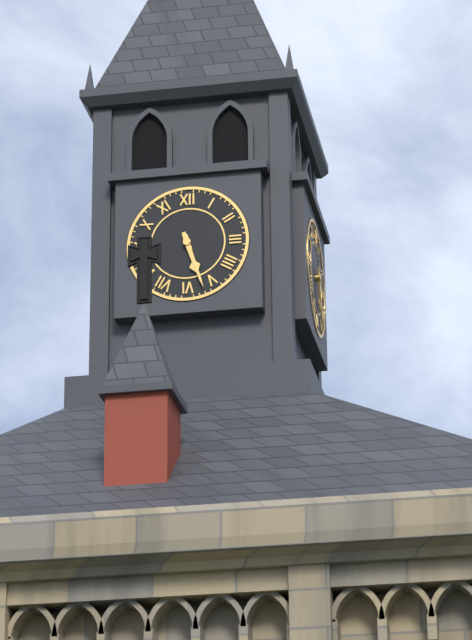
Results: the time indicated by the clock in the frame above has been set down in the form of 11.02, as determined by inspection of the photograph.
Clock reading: 5.27
